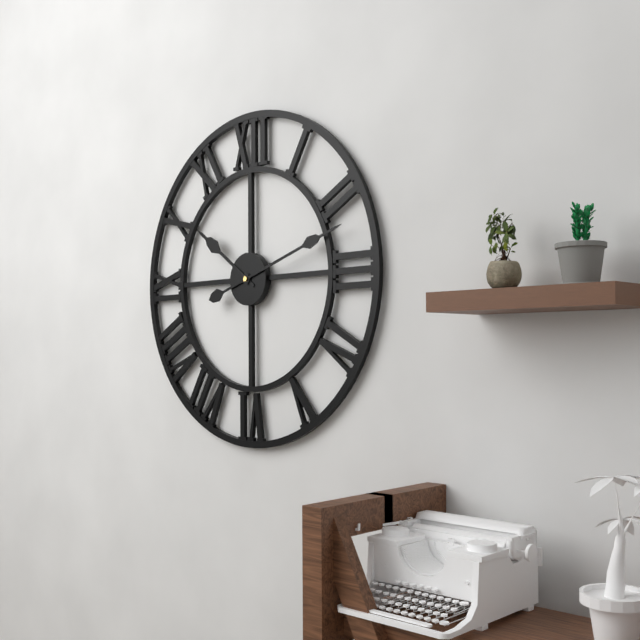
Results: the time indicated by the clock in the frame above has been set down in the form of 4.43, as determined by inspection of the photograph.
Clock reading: 10.12
